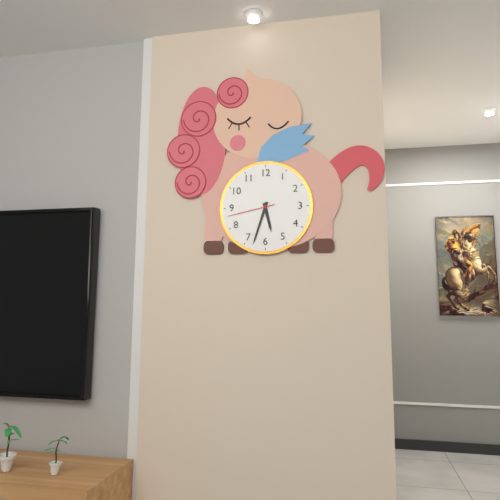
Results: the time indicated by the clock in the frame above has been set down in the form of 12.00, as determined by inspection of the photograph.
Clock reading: 5.33
